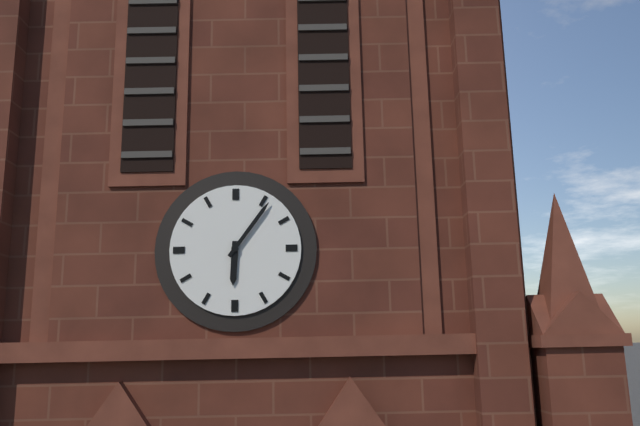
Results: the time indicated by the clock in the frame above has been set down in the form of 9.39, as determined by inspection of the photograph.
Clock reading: 6.06
